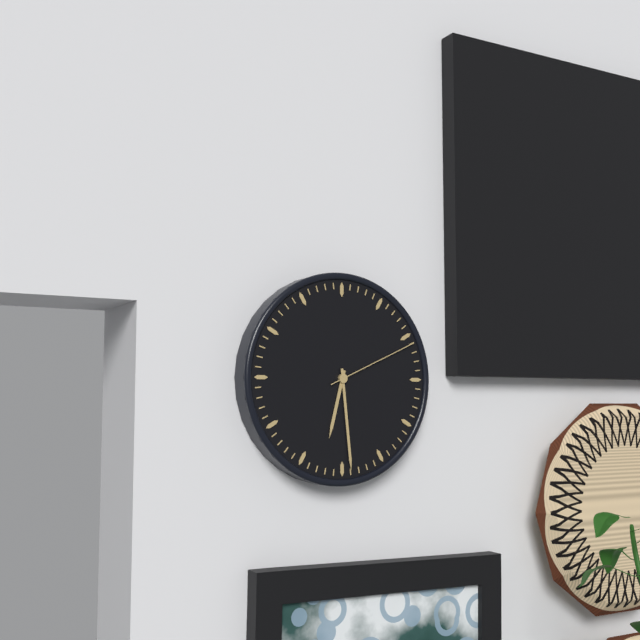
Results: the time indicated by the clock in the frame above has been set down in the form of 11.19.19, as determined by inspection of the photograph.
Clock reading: 6.29.11
